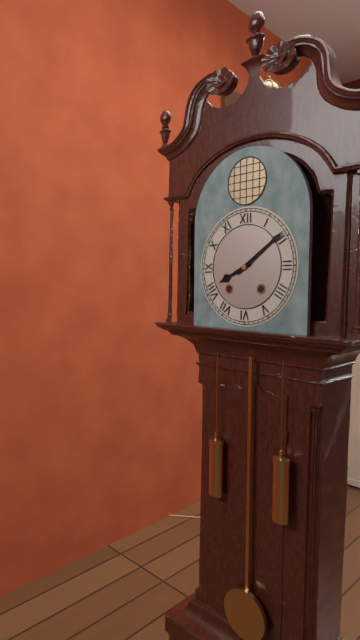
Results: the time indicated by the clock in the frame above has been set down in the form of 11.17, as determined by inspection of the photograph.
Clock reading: 8.09
